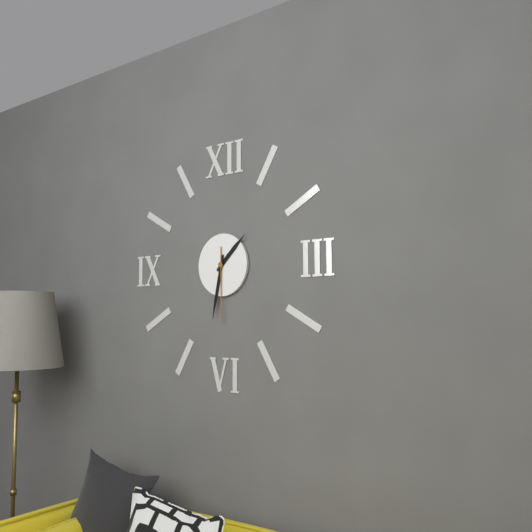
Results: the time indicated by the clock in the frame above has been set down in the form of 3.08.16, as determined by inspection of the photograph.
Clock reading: 1.32.30
